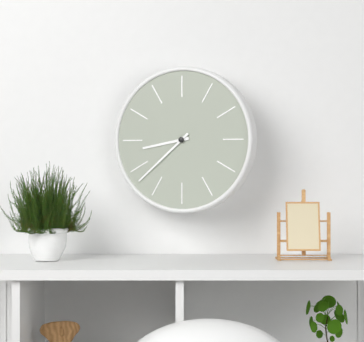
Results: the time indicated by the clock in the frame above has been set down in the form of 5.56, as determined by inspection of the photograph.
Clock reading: 8.38
